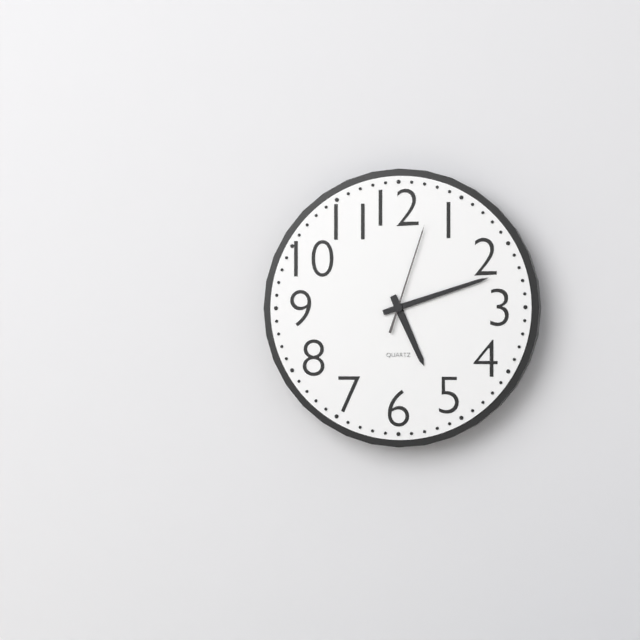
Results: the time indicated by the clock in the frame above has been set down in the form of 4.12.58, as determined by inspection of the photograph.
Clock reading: 5.12.03
